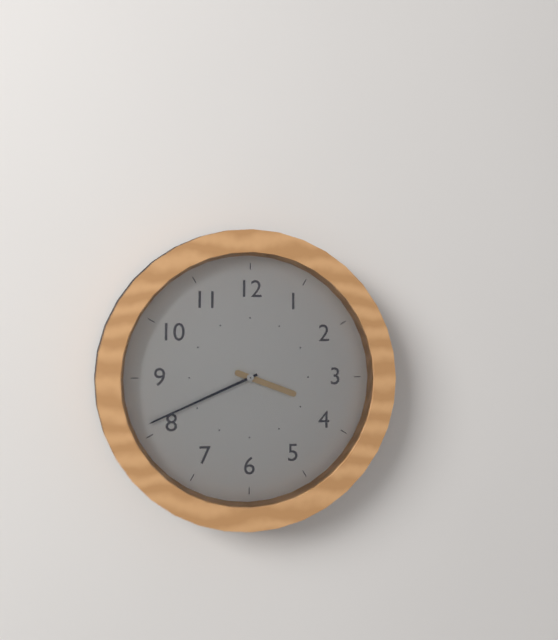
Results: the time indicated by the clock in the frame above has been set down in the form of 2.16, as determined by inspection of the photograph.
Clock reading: 3.41
